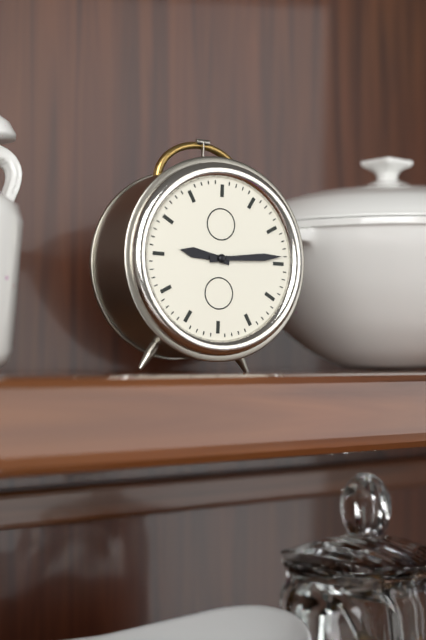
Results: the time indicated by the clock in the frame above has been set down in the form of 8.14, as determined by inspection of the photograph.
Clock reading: 9.14
